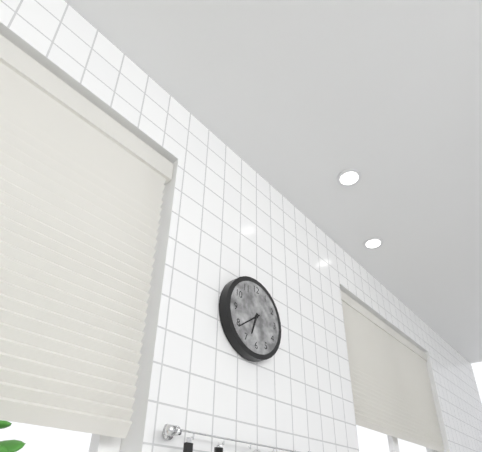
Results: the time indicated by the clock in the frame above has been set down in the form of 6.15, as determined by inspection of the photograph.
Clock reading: 6.39
